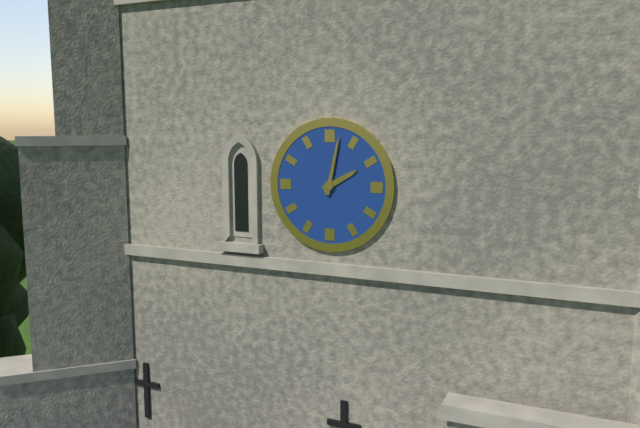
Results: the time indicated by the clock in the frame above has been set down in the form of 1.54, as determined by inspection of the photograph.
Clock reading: 2.02
